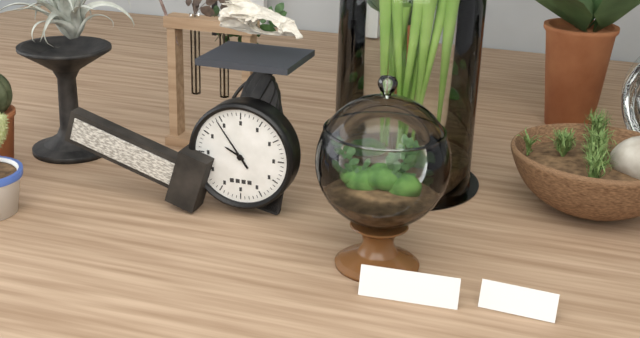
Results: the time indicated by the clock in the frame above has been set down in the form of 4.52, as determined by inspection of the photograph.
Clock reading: 9.54
